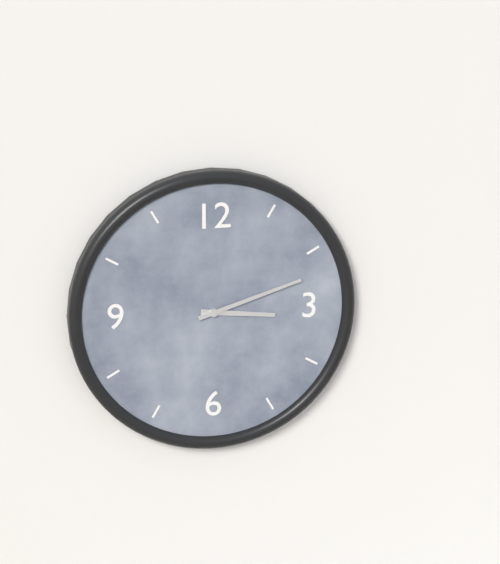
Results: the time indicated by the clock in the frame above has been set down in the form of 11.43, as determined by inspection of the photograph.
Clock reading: 3.12
